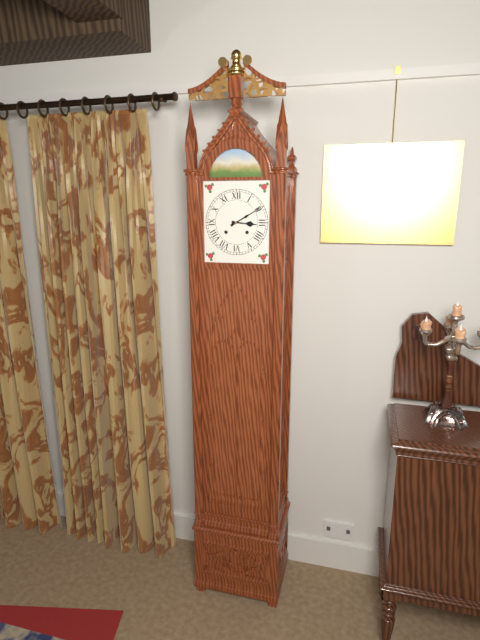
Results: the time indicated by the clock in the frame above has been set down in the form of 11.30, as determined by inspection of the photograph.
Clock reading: 3.10
